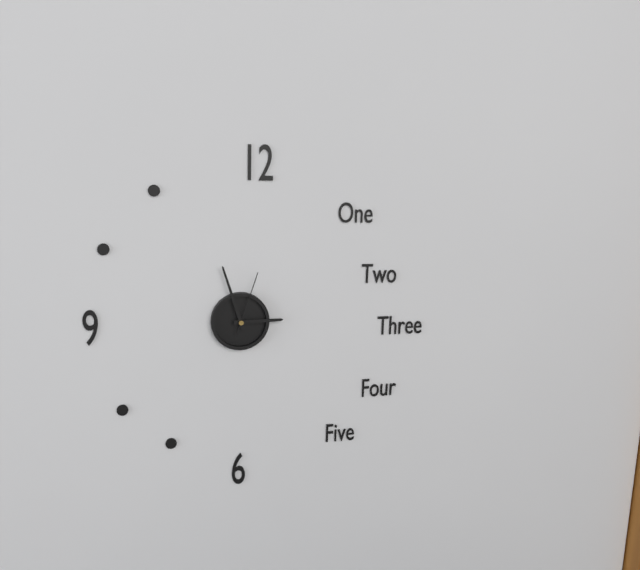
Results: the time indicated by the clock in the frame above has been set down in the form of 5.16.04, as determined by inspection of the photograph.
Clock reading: 2.57.03
